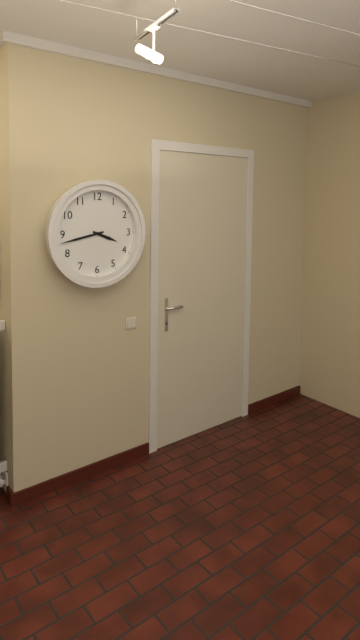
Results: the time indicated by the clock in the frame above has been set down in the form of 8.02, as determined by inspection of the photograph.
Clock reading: 3.43
